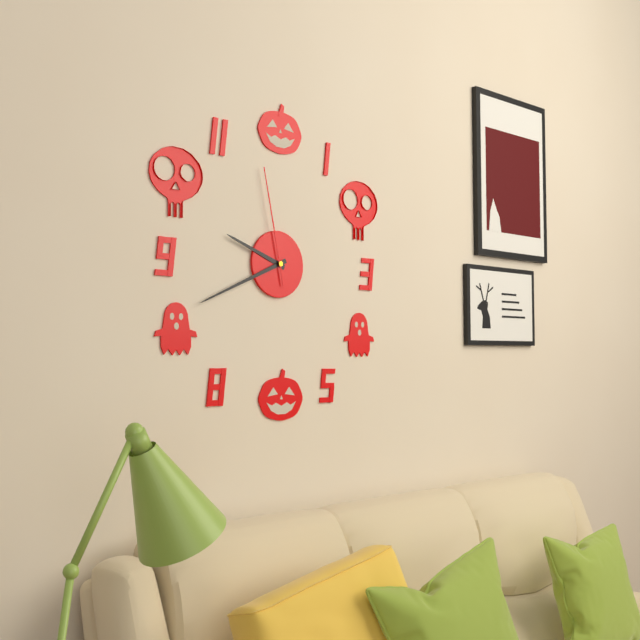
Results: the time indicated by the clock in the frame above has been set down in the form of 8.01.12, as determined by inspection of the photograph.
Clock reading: 9.41.58
